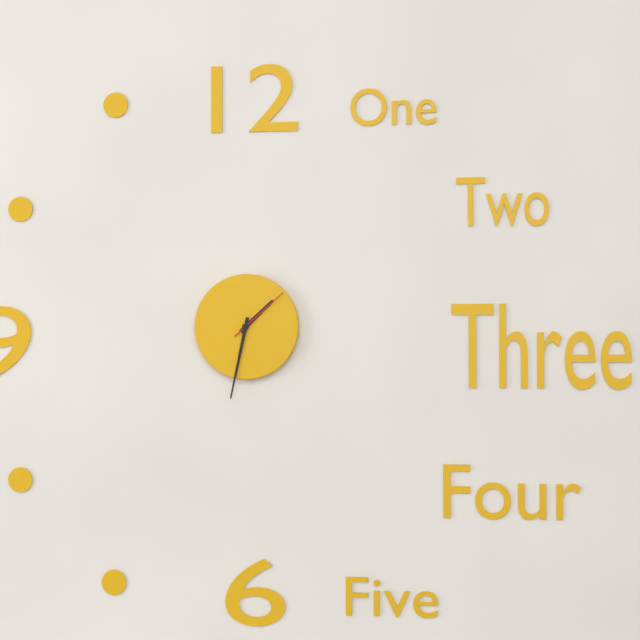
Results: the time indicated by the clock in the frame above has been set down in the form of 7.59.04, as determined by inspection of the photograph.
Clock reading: 1.32.08
